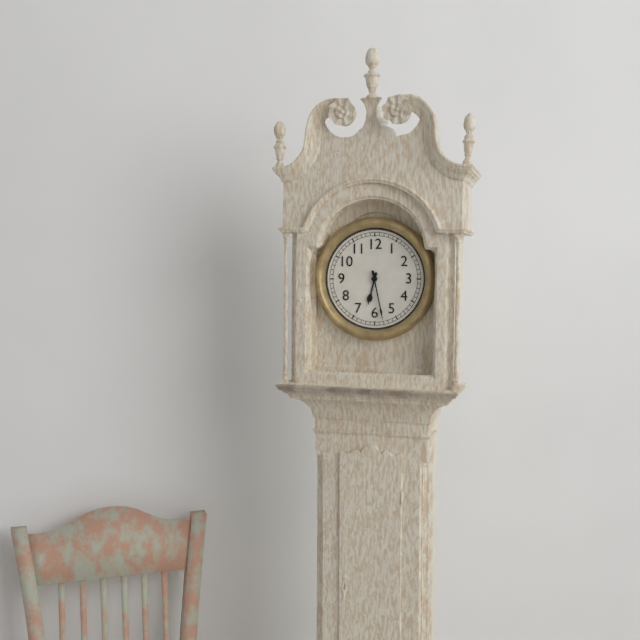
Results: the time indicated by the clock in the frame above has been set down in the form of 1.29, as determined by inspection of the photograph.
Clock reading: 6.28
